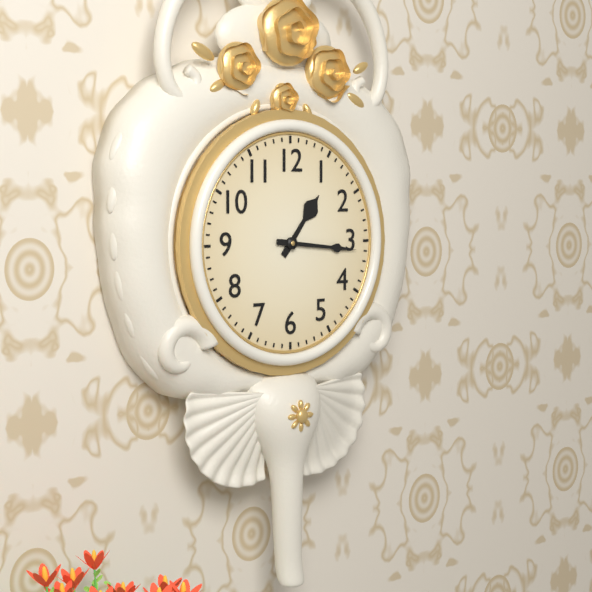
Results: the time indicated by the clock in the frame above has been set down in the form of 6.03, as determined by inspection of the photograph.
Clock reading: 1.16
